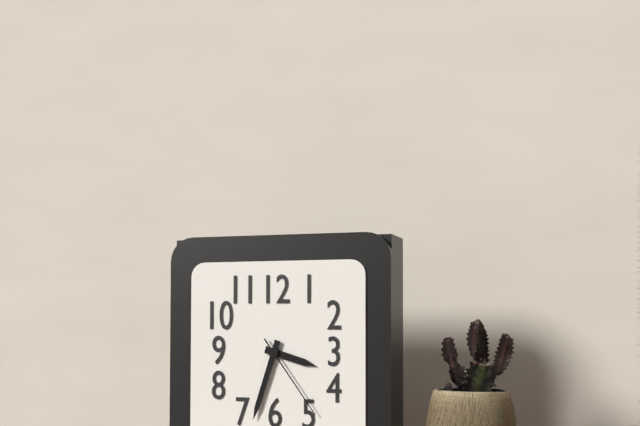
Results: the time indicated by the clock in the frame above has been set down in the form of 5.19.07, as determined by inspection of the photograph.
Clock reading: 3.33.24
